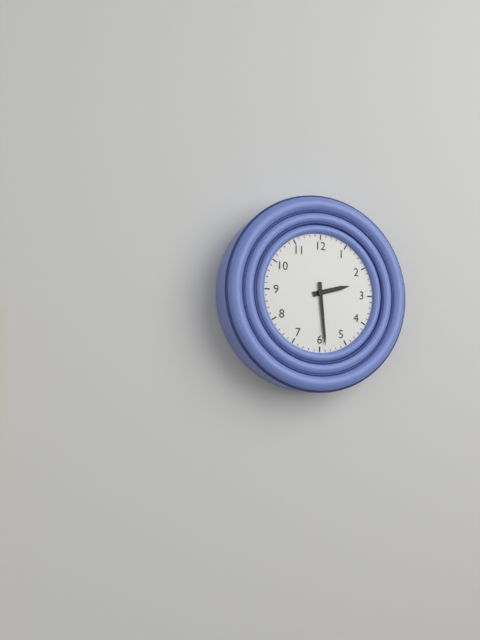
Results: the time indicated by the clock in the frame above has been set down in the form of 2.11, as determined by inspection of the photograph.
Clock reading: 2.29
